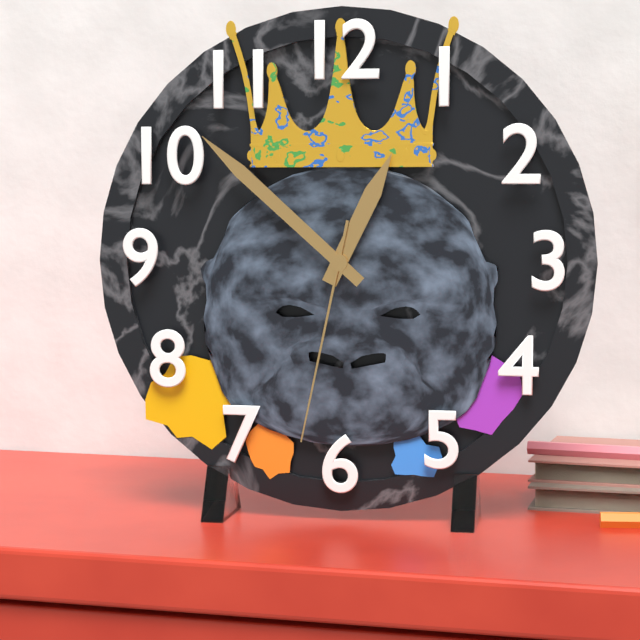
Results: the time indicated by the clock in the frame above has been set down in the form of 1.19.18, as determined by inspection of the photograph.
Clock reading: 12.52.32
